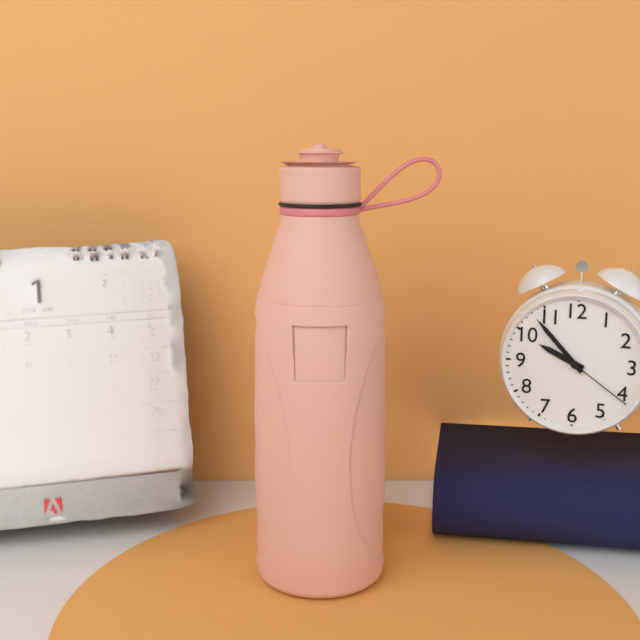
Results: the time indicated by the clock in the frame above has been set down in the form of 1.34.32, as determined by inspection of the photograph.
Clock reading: 9.53.21
